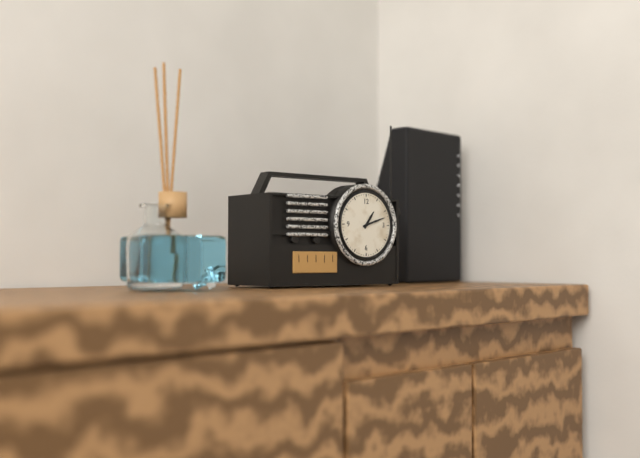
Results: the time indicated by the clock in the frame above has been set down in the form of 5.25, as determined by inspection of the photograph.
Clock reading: 1.12
